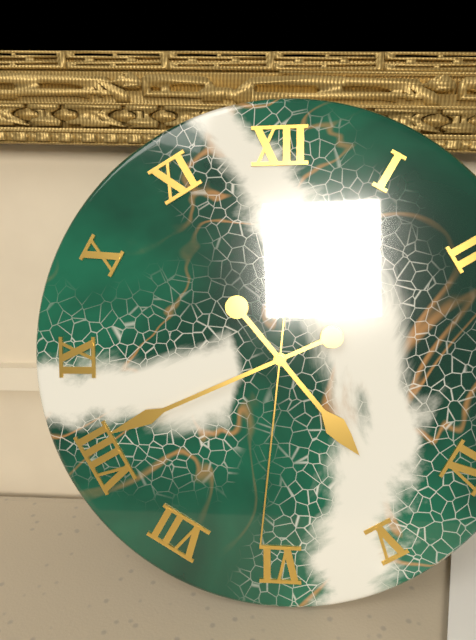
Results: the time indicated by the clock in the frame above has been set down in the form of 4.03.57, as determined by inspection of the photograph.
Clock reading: 4.41.31
